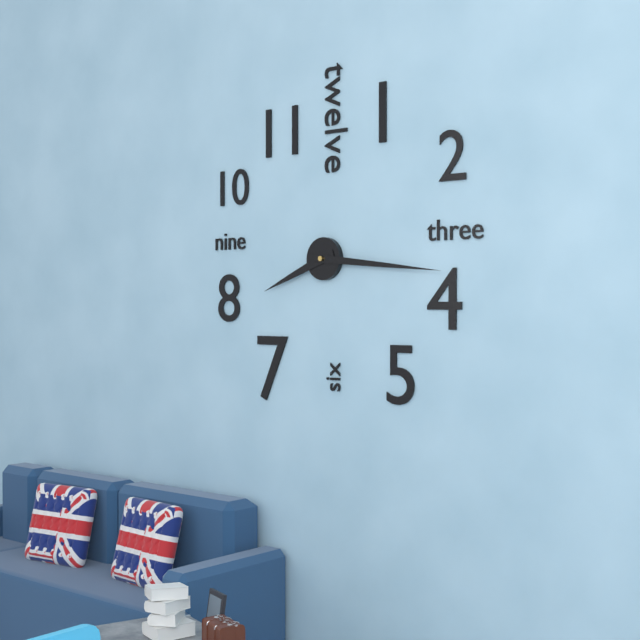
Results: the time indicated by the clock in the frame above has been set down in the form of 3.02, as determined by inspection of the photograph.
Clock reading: 8.16
